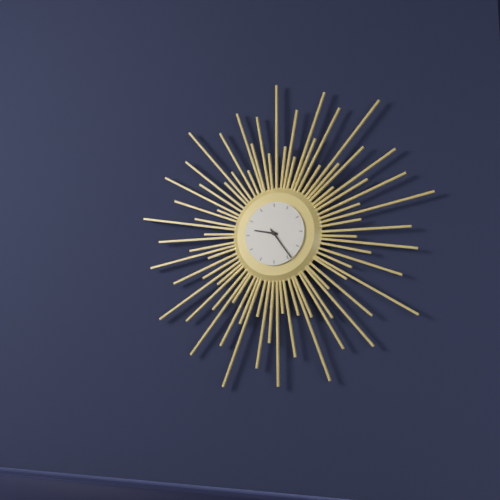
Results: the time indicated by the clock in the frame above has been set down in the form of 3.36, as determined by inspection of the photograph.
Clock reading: 9.24
